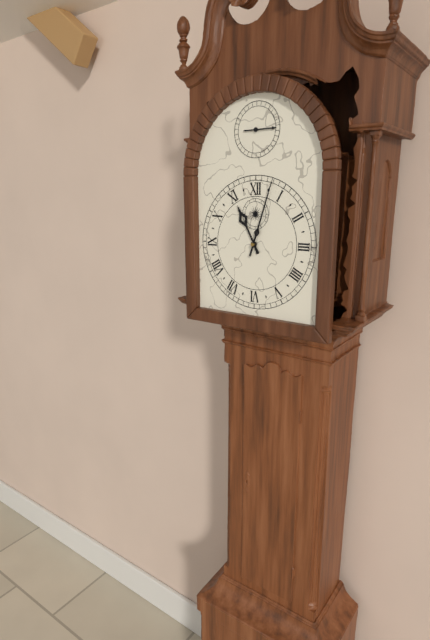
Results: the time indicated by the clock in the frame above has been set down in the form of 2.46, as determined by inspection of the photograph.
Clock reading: 11.03
